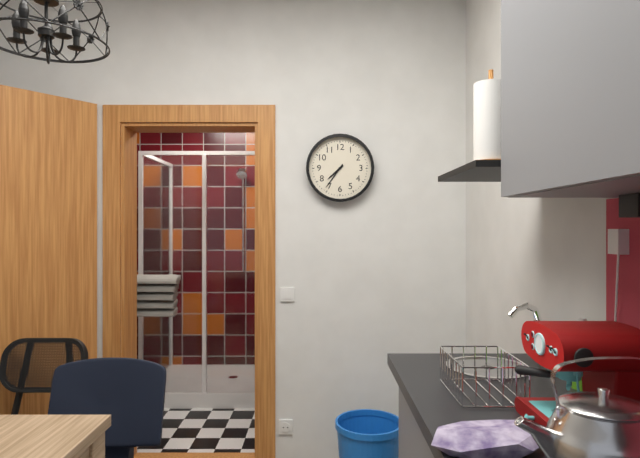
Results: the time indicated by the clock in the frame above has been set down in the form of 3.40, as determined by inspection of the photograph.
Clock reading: 7.36
